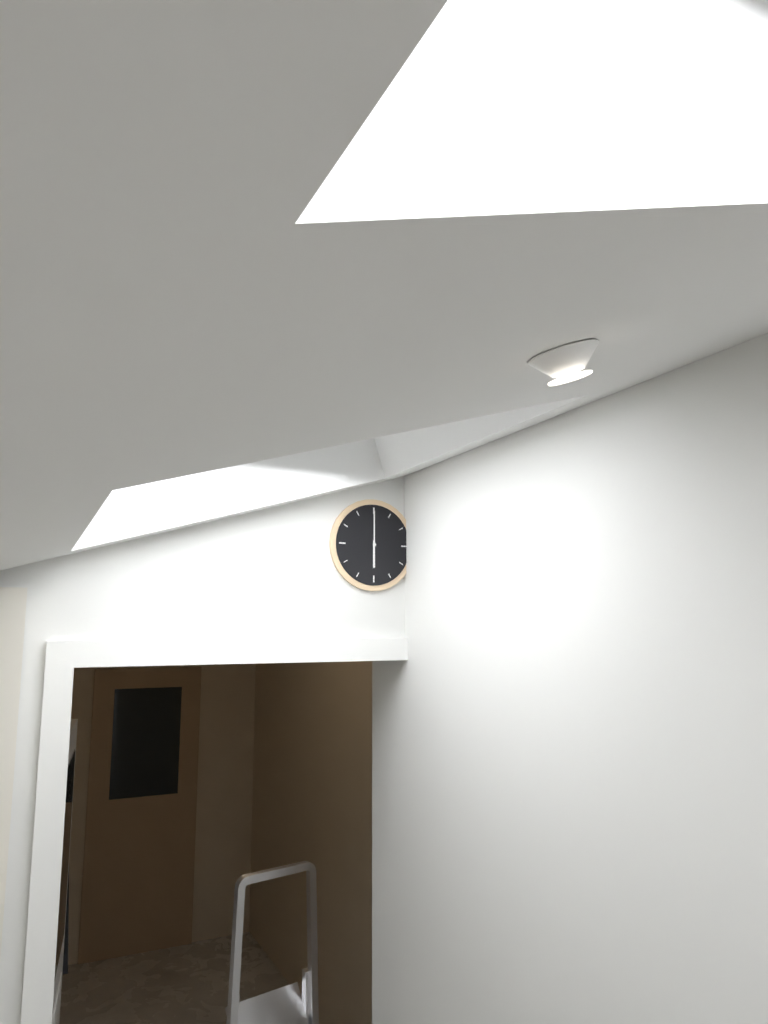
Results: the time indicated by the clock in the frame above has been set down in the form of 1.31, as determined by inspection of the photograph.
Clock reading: 6.00
